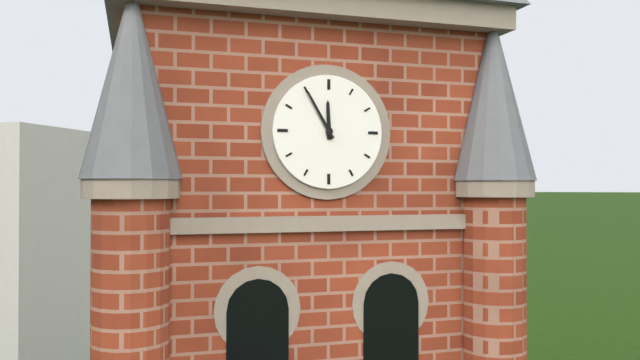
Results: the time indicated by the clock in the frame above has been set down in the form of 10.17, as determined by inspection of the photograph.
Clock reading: 11.55
